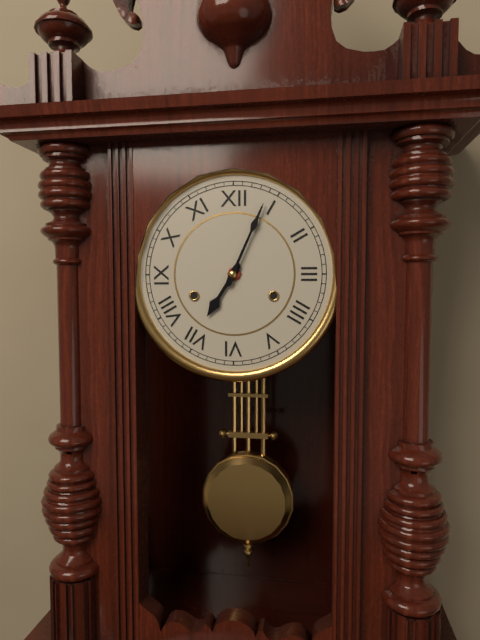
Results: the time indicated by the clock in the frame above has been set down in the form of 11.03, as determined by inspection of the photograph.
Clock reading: 7.04
